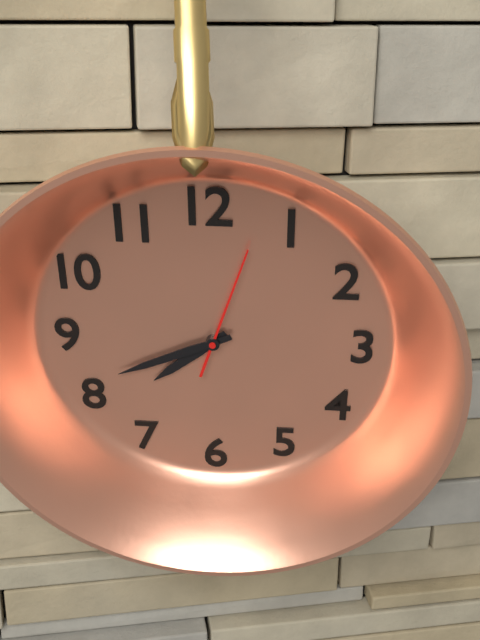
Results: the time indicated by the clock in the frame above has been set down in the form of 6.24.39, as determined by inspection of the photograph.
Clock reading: 7.41.03
